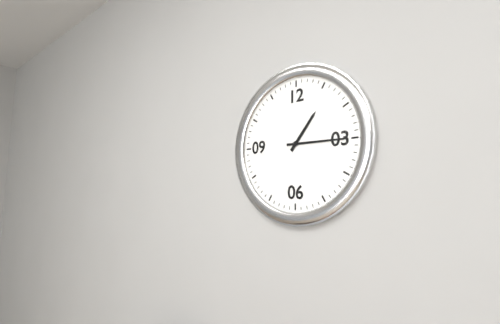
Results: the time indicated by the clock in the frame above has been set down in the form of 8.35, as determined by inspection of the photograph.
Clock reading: 1.15
